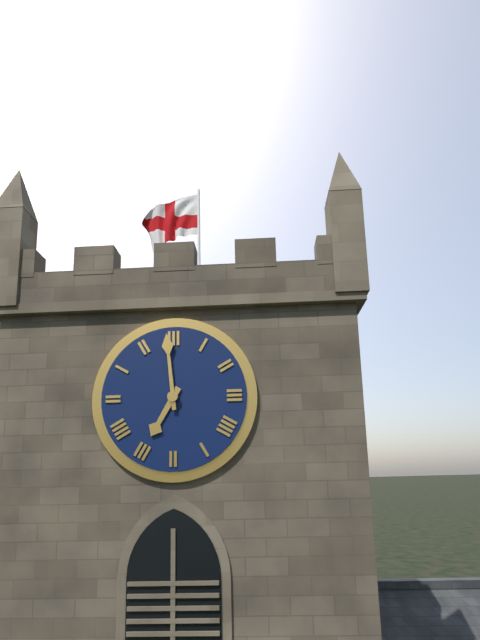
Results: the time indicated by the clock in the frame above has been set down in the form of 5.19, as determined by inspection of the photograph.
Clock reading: 6.59
